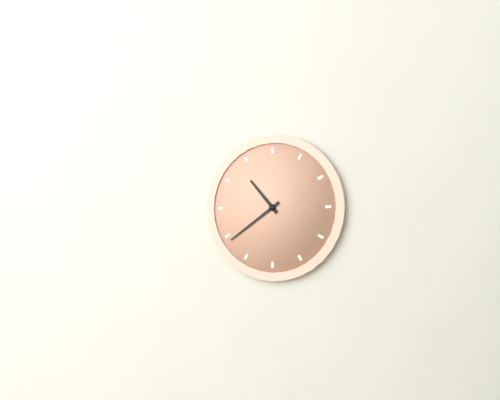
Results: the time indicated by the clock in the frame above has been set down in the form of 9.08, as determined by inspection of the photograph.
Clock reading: 10.39
